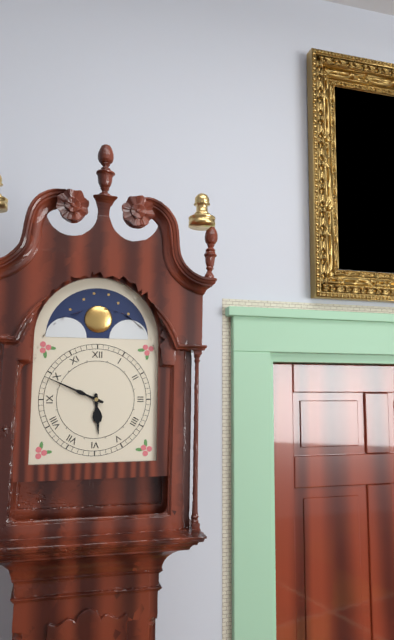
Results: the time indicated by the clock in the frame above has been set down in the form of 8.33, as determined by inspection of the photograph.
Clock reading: 5.49
